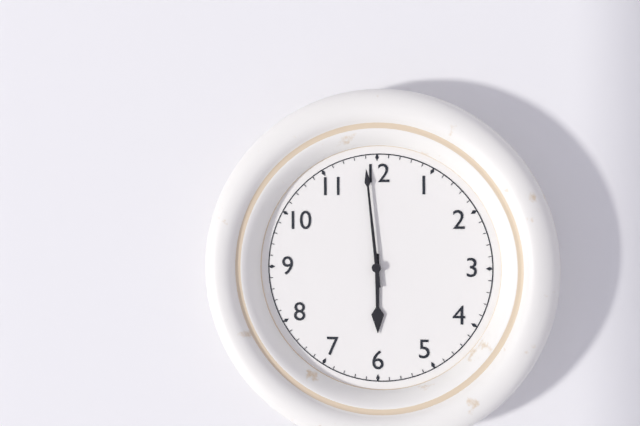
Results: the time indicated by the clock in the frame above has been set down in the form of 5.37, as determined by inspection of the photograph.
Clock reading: 5.59
